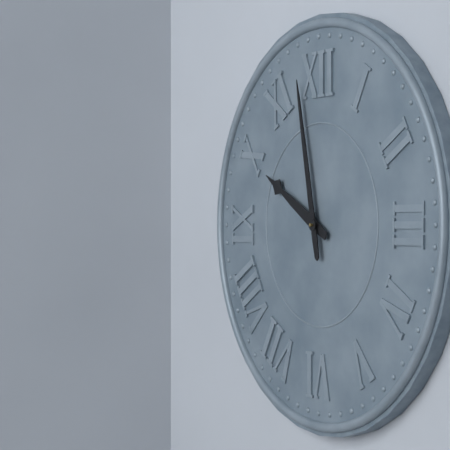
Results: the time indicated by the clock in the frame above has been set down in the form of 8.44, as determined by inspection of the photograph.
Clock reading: 9.58
